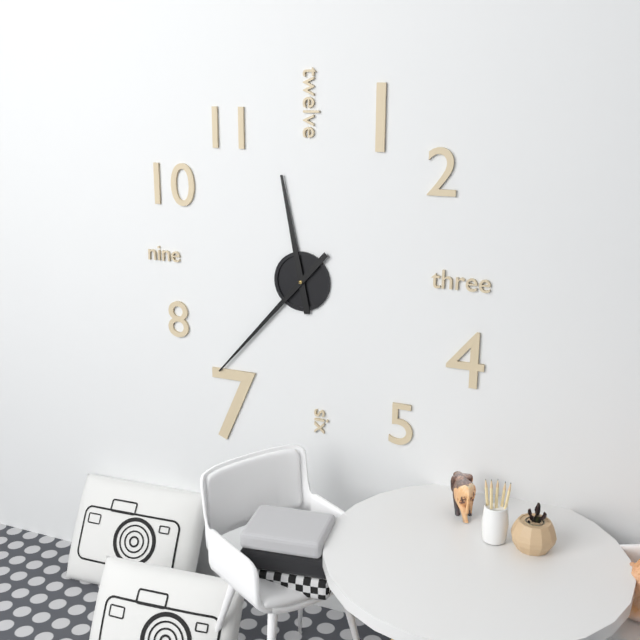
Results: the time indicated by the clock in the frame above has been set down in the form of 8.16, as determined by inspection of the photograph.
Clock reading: 11.37
